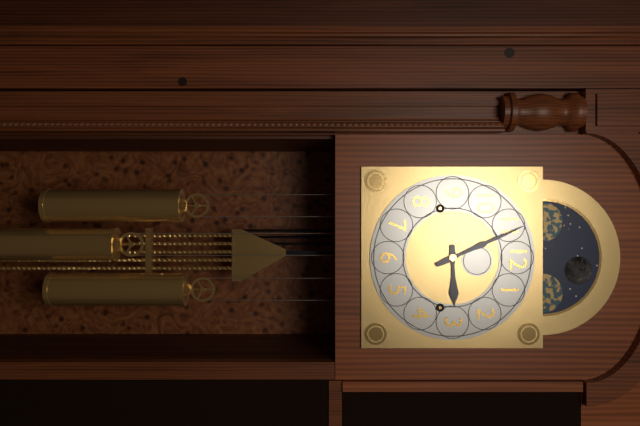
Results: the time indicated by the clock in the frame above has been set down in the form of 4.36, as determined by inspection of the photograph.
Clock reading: 2.56
